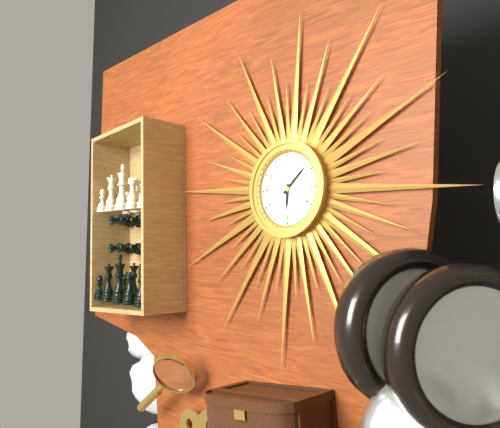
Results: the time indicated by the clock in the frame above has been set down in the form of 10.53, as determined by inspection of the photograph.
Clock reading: 6.08
